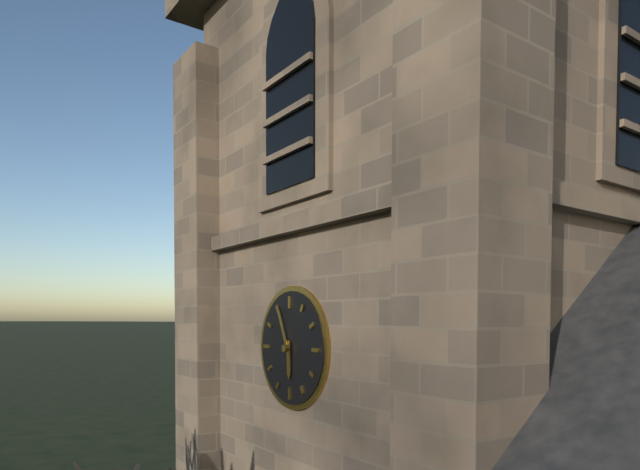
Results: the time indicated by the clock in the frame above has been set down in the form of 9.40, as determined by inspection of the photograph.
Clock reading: 5.56
